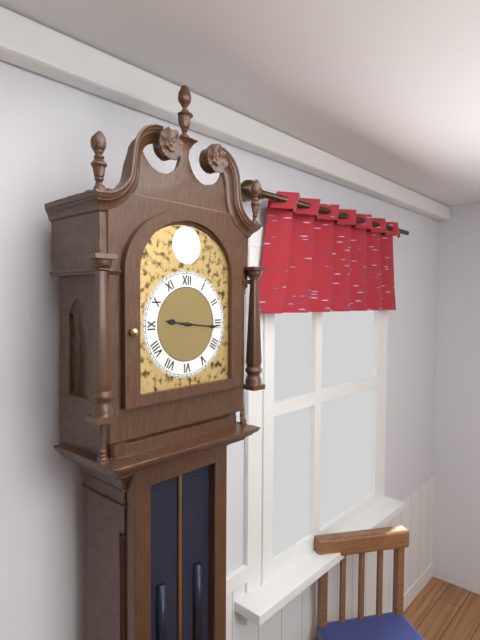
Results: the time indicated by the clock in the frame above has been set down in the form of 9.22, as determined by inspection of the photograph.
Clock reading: 9.16
